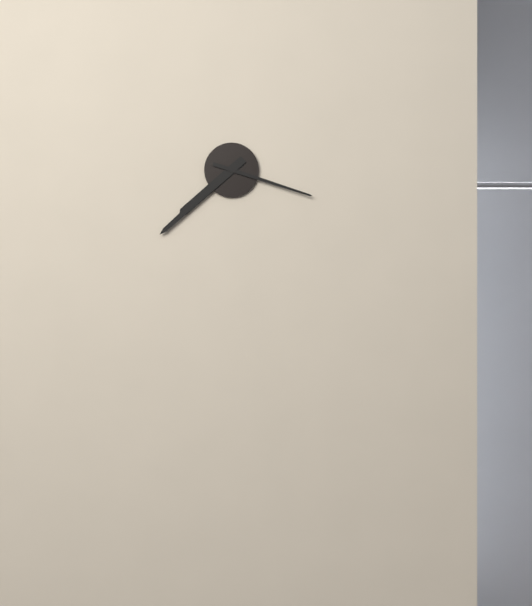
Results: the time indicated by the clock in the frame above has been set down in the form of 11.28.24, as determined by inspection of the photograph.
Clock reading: 7.38.18
